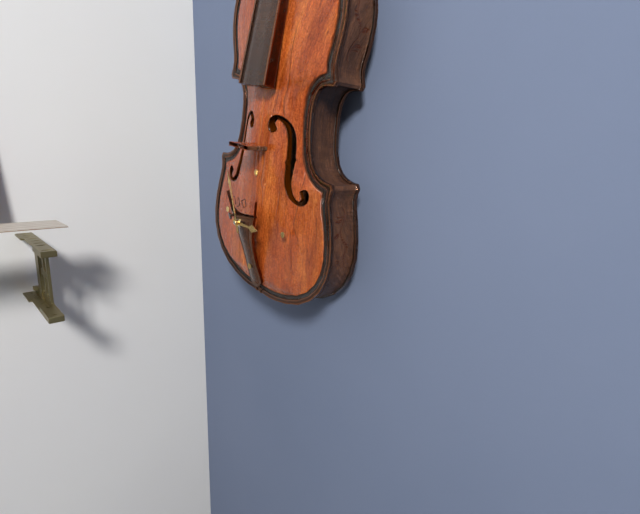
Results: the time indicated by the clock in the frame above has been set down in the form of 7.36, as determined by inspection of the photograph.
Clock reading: 2.56
